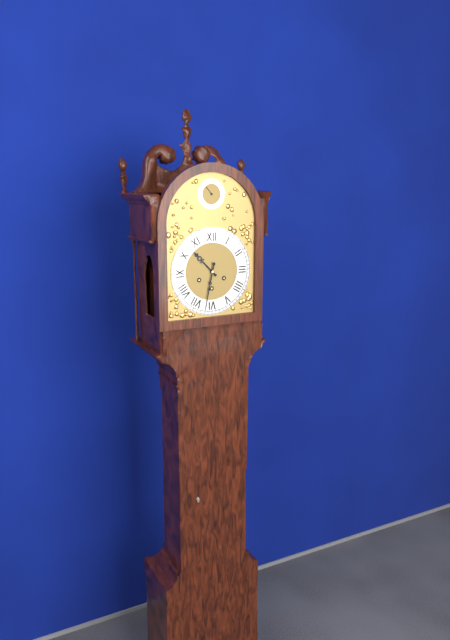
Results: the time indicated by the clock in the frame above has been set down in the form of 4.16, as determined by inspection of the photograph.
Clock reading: 10.32
